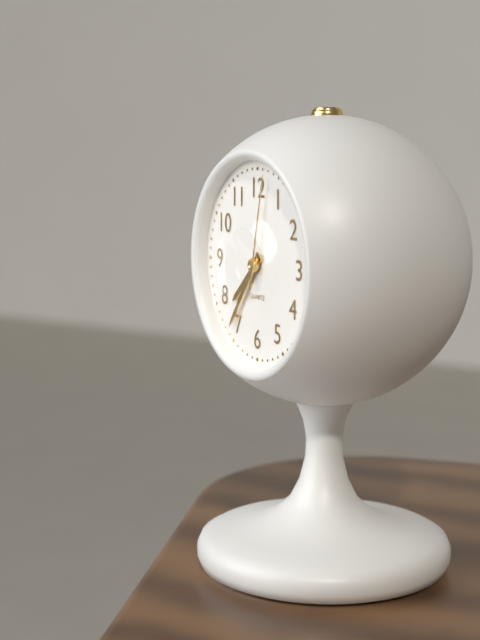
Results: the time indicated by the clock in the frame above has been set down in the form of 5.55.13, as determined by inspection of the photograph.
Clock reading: 7.36.02
